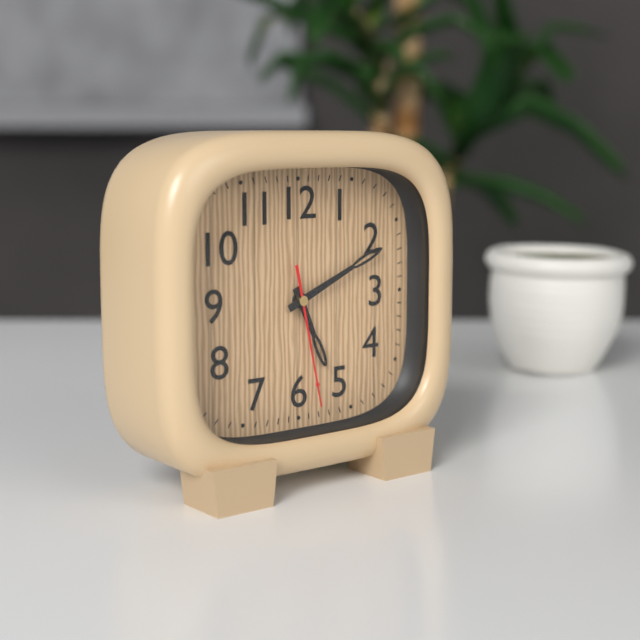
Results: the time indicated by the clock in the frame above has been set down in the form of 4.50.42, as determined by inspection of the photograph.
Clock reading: 5.11.28
